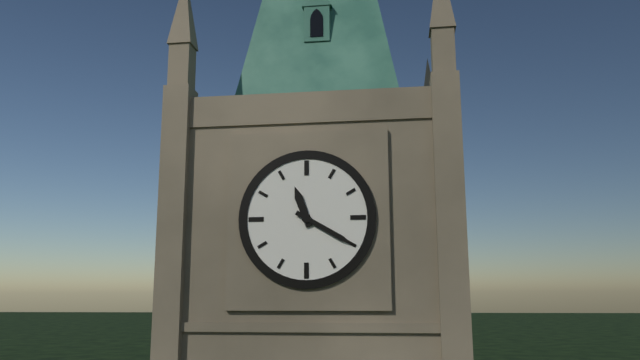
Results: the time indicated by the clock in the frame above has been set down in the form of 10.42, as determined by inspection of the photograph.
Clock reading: 11.20
